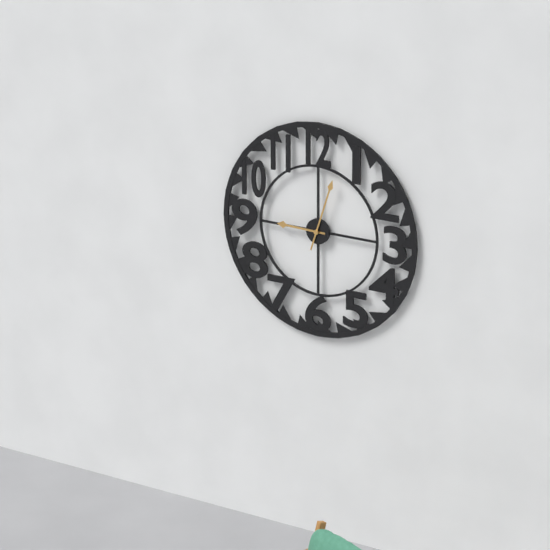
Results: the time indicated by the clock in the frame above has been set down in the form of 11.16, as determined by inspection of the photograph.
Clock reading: 9.03
